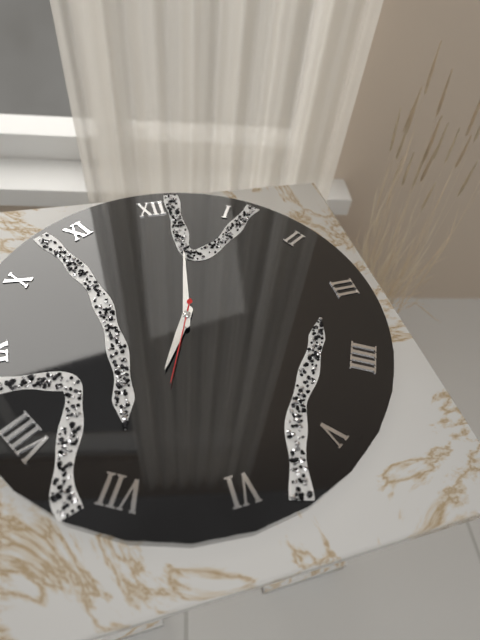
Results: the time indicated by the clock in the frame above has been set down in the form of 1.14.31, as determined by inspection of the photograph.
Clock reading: 7.02.34
